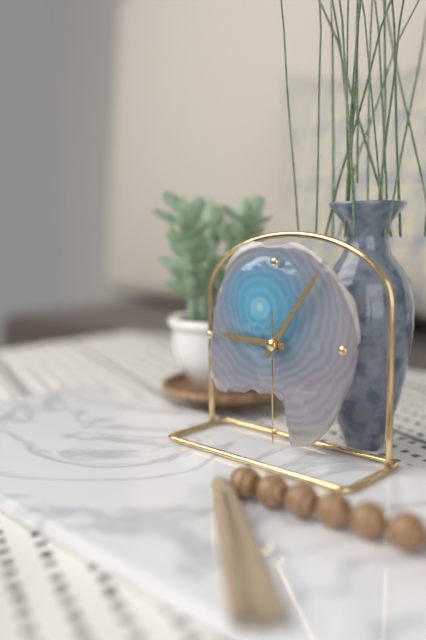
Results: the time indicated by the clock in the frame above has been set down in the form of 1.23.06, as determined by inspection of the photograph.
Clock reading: 9.06.30
